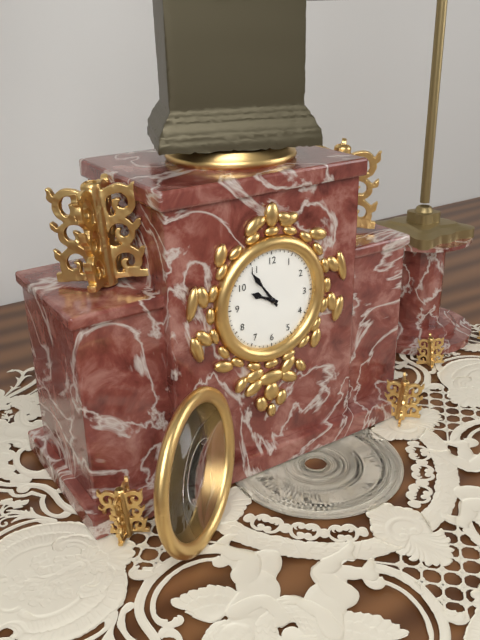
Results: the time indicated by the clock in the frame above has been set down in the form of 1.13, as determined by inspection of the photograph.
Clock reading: 9.54
